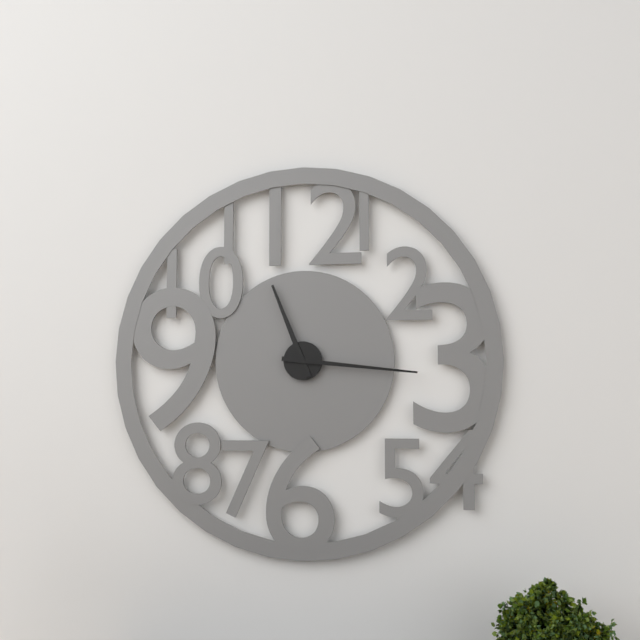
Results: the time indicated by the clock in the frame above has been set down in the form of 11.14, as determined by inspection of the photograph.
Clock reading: 11.16
